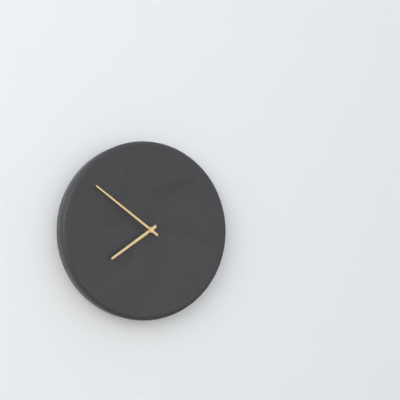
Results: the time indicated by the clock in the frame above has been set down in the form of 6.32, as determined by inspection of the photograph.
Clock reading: 7.51
